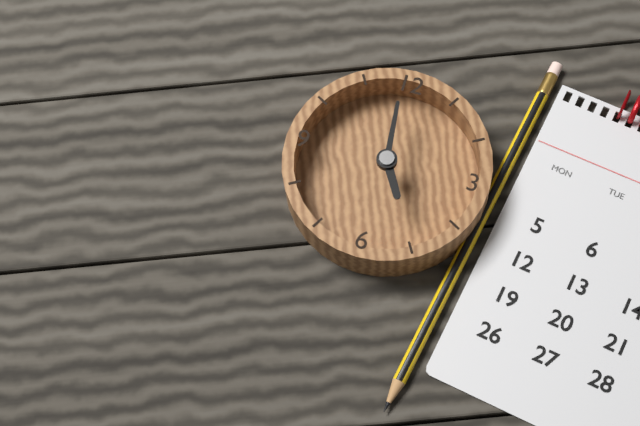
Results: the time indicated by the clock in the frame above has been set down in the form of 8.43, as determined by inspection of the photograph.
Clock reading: 4.59
